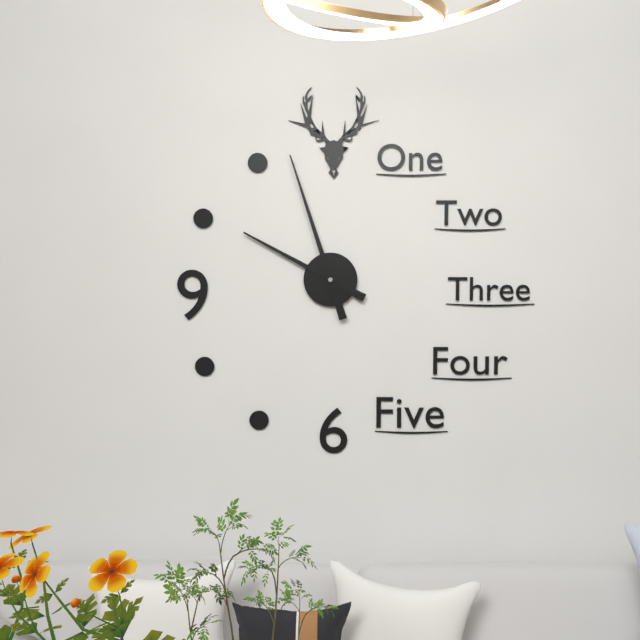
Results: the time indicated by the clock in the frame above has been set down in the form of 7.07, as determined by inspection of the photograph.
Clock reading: 9.57
